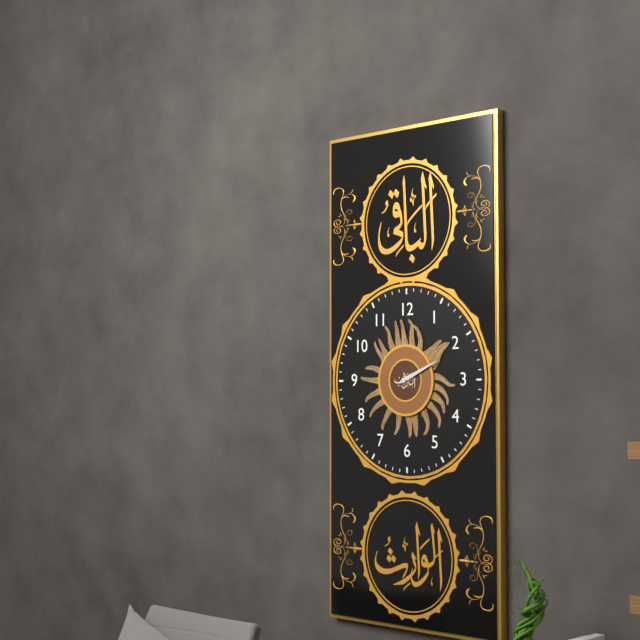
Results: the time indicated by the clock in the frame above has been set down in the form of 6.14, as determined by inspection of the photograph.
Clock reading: 2.11
